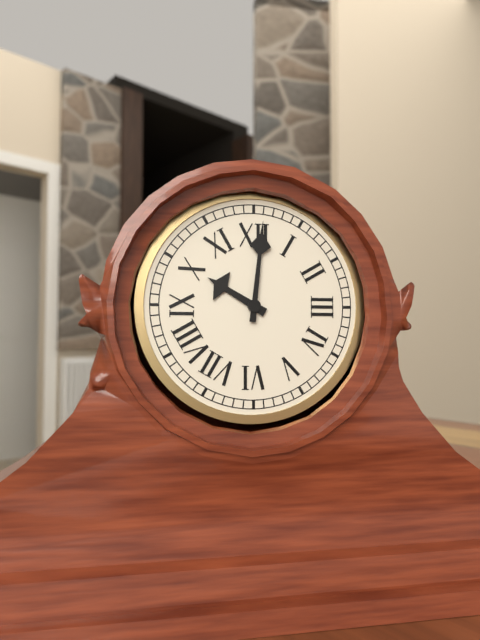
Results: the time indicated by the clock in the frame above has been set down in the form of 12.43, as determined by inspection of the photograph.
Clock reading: 10.01
